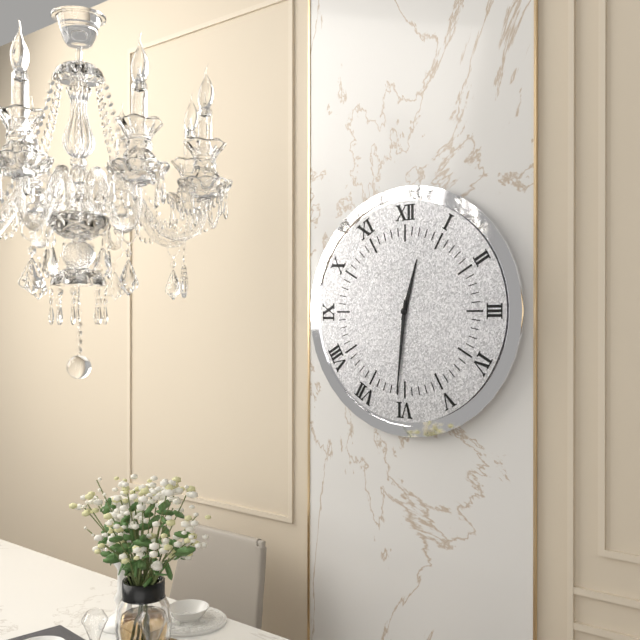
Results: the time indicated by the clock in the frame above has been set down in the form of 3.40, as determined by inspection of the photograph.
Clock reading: 12.31
